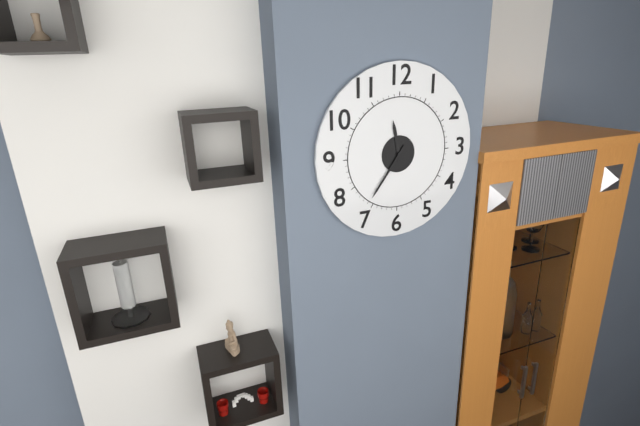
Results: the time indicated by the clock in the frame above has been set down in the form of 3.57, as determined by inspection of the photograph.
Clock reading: 11.36
